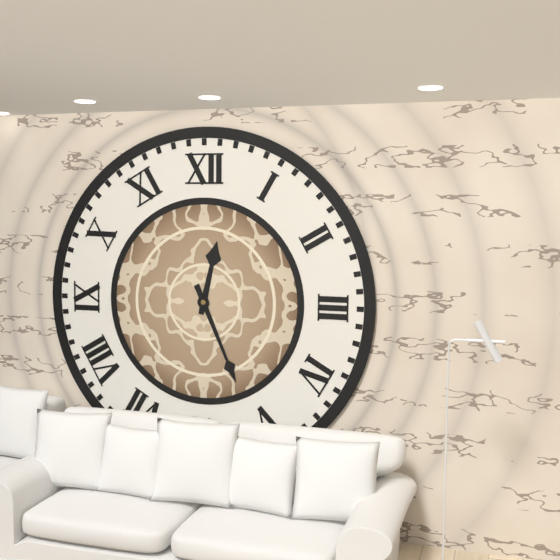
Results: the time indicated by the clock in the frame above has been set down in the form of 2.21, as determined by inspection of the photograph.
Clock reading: 12.26
